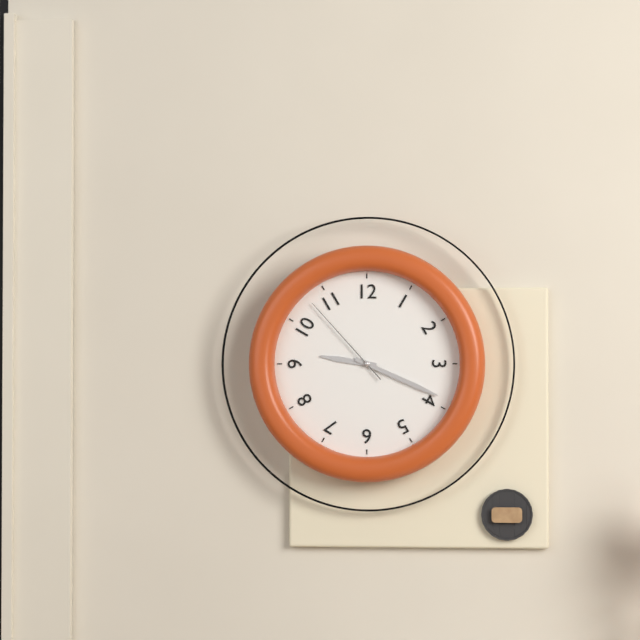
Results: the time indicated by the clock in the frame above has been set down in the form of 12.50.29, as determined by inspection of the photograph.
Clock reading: 9.19.53
